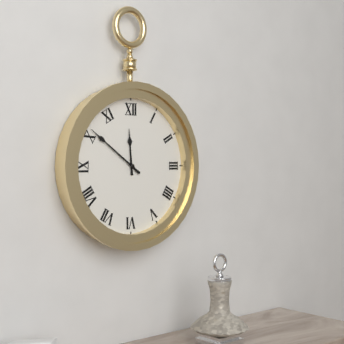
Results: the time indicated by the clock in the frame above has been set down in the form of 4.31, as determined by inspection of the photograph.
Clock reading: 11.51
